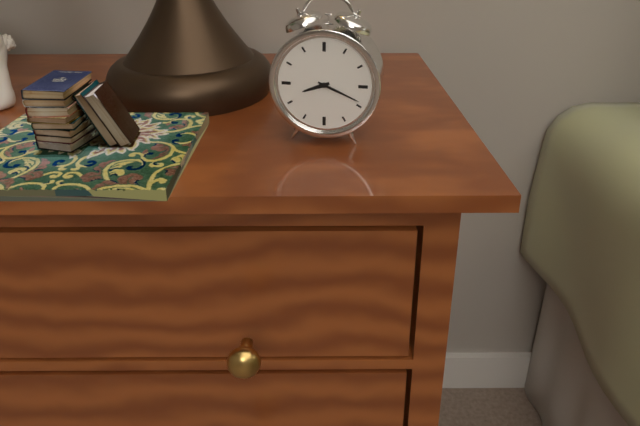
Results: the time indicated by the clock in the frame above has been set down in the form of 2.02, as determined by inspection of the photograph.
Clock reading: 8.19
